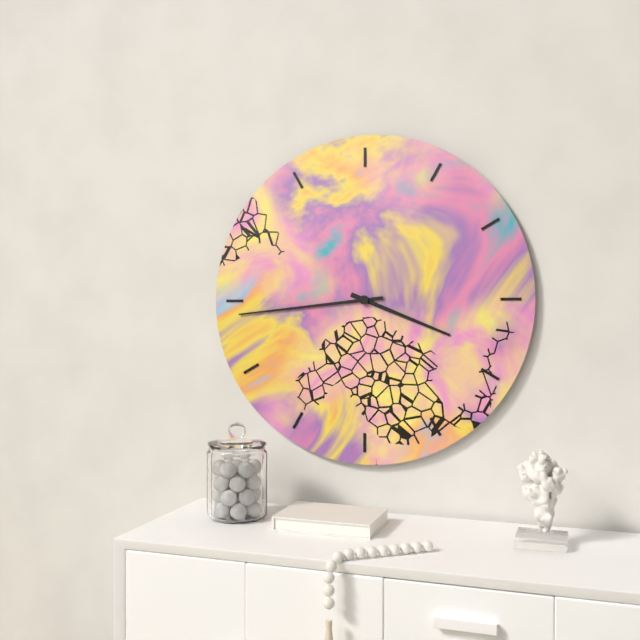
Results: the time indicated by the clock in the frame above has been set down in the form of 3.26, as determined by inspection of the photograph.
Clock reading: 3.44
